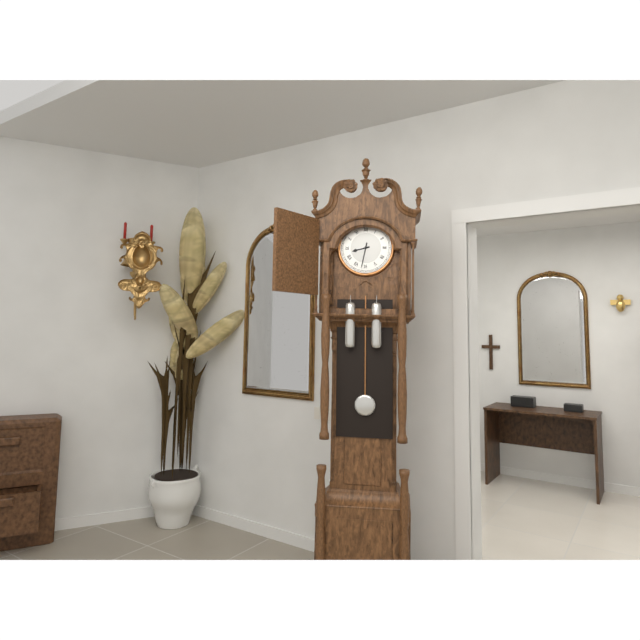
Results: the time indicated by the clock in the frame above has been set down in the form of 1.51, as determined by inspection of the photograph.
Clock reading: 8.32
